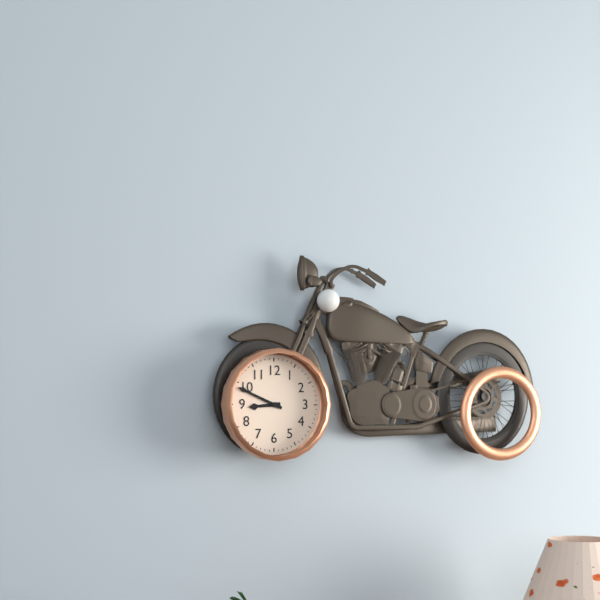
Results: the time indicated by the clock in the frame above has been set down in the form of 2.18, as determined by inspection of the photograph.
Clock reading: 8.49
